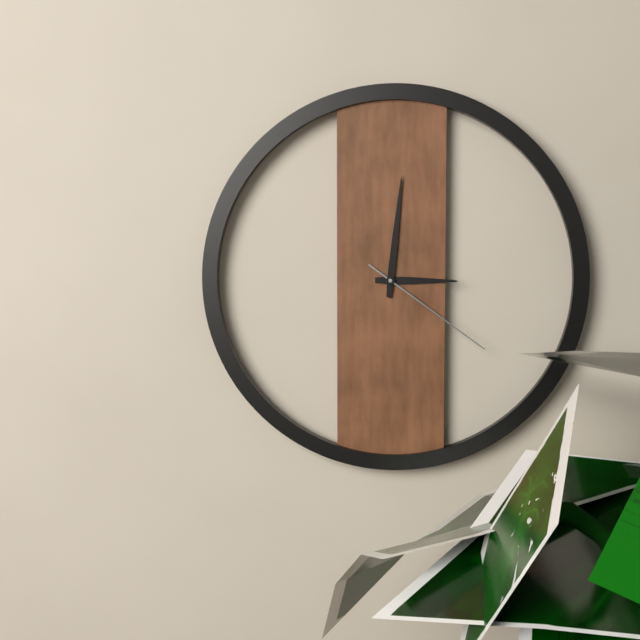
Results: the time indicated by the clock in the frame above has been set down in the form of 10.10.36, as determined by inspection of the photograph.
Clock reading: 3.01.21
